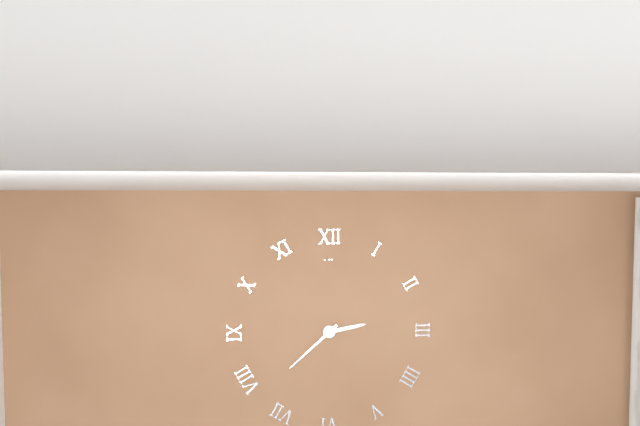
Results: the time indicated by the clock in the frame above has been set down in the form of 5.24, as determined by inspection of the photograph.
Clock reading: 2.38
